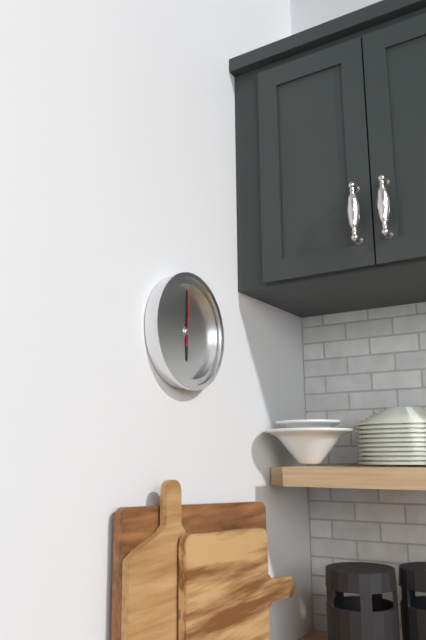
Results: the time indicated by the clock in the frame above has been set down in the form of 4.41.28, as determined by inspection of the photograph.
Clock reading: 6.00.01
